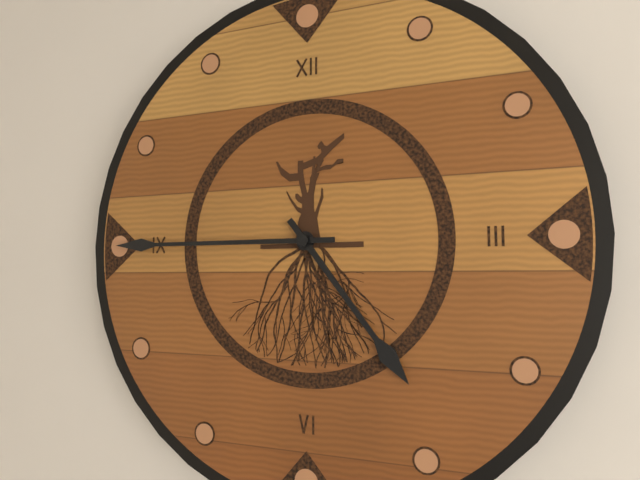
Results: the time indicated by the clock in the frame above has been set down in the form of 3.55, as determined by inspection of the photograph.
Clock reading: 4.45
